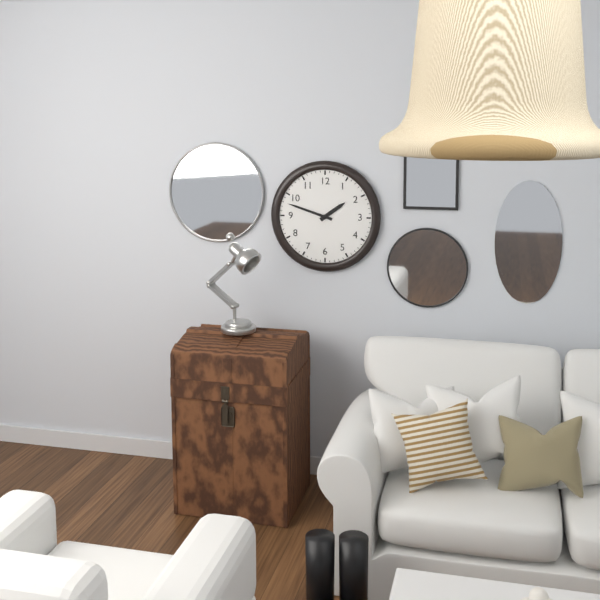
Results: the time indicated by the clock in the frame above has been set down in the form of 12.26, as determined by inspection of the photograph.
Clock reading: 1.48
